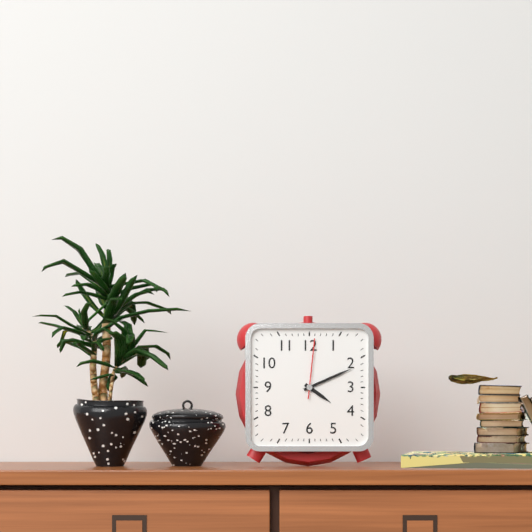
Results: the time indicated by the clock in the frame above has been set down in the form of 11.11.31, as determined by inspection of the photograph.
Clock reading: 4.11.01
